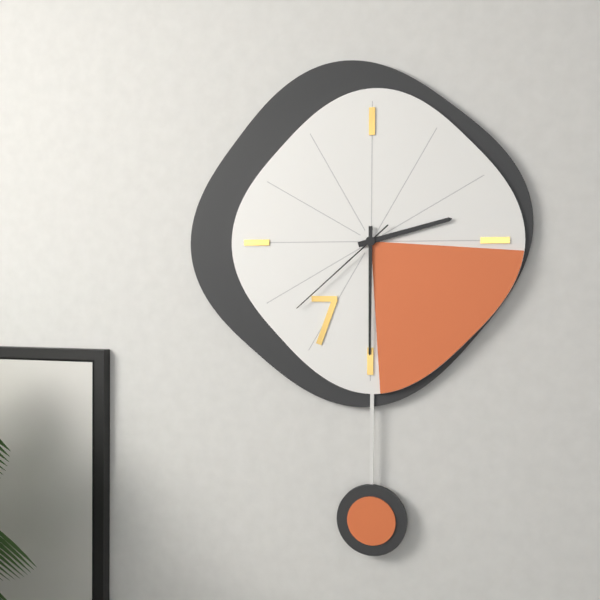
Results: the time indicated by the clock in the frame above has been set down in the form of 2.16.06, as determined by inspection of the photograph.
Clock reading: 2.30.38
